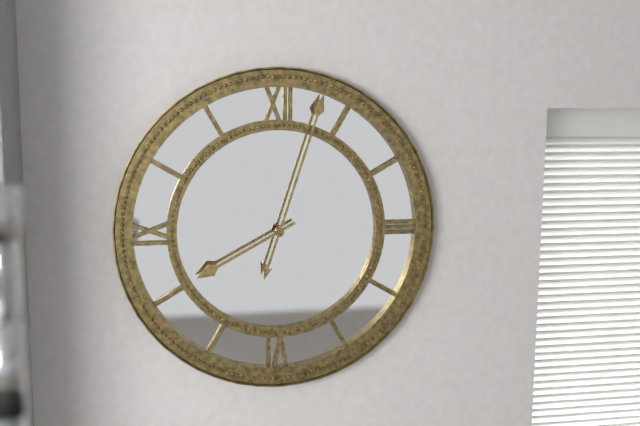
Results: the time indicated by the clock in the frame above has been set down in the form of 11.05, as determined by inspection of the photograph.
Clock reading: 8.03
